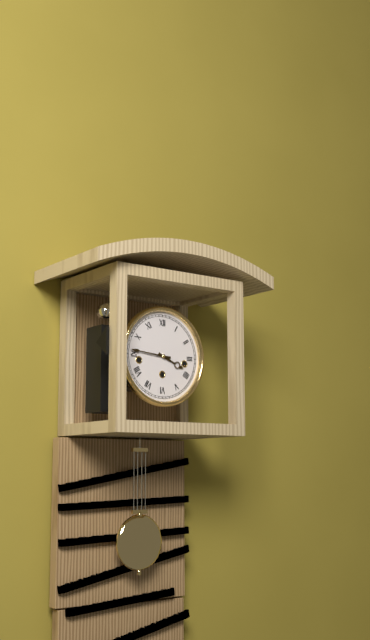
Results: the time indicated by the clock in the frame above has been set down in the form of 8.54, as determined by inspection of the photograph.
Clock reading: 3.46
